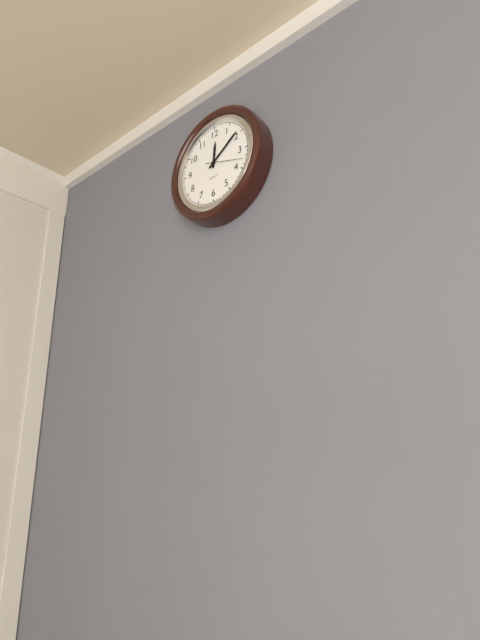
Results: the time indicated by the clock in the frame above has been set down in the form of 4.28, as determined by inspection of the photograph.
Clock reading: 12.09
